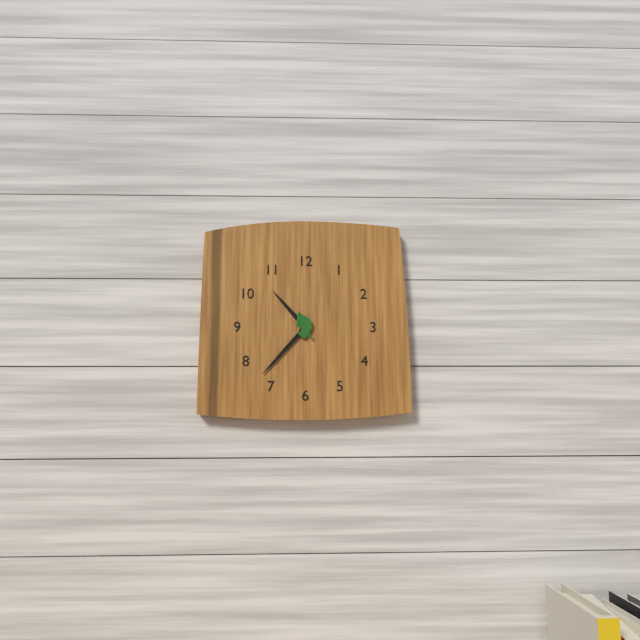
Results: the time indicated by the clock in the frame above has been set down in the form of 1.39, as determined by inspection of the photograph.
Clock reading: 10.37
